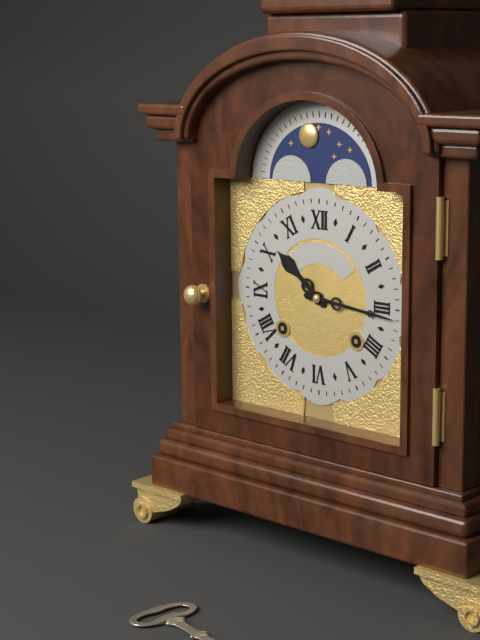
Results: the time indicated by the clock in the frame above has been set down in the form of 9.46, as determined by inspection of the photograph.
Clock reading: 10.16
